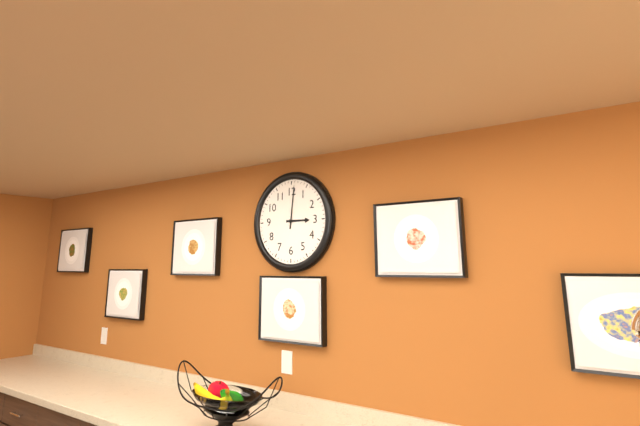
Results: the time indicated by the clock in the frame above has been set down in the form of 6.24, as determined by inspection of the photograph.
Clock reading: 3.01
